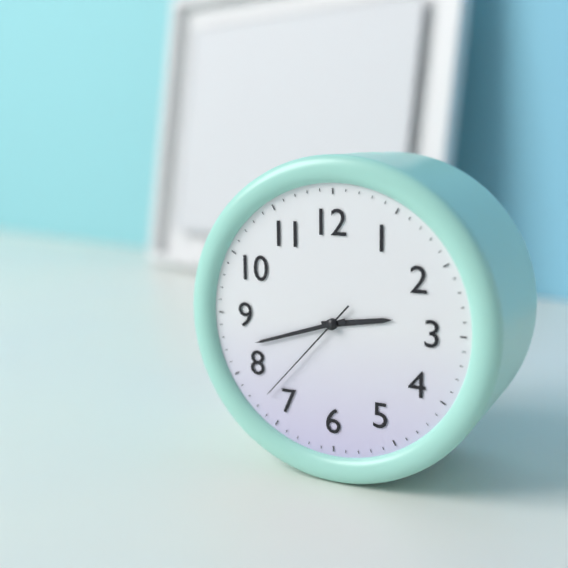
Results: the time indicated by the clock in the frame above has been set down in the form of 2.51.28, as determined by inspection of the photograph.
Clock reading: 2.42.37
